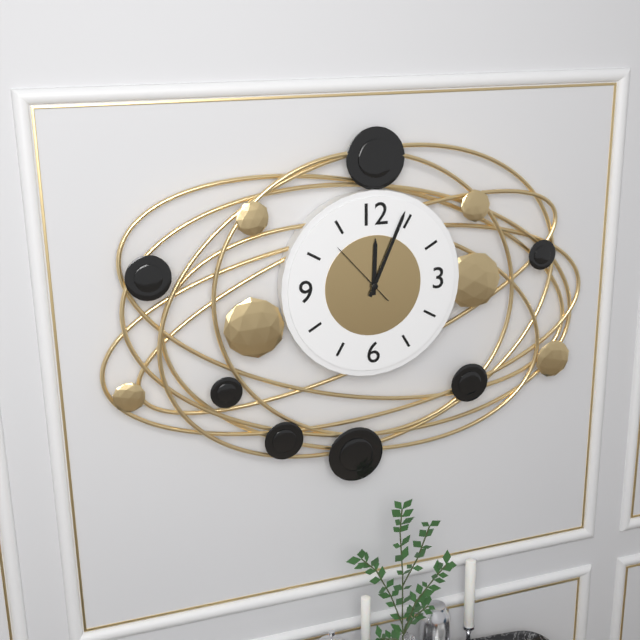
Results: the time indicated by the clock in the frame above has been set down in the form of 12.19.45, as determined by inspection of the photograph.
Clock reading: 12.04.53
